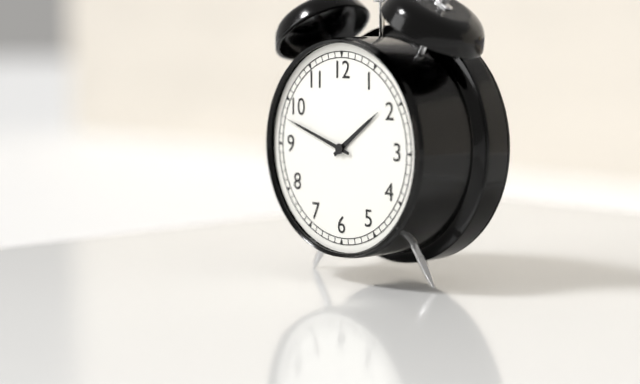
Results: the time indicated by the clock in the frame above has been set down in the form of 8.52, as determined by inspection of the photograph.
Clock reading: 1.48
